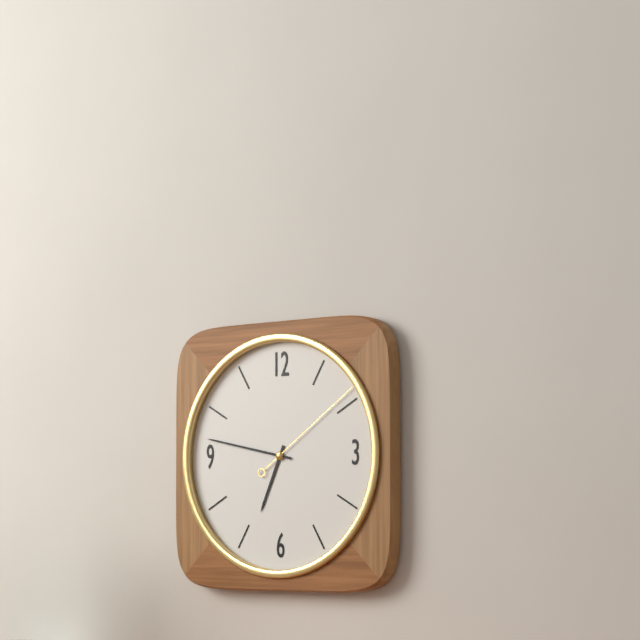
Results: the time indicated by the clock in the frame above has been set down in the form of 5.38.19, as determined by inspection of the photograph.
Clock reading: 6.47.09
